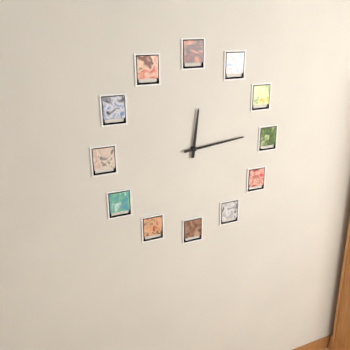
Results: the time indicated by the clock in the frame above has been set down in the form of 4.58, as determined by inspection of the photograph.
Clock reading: 12.14
